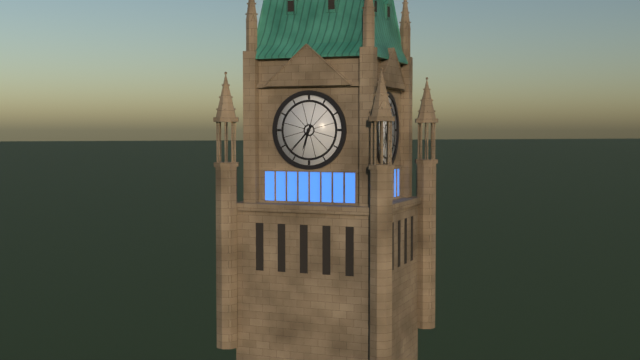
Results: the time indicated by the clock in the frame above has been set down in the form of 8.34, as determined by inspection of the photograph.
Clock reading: 6.37
